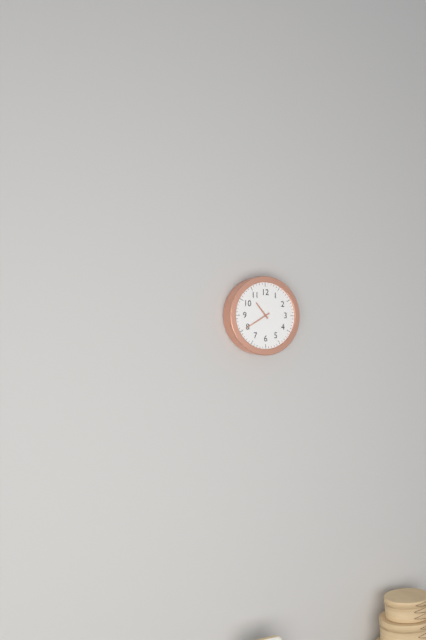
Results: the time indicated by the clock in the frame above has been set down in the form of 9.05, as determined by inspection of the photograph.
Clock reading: 10.40
